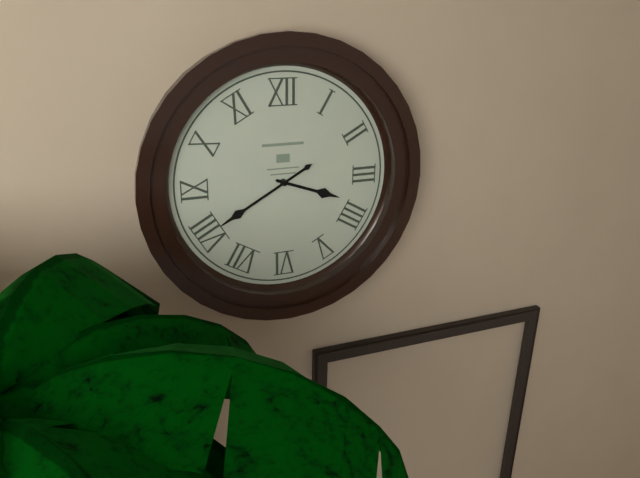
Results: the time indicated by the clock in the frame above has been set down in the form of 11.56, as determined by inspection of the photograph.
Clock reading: 3.40
